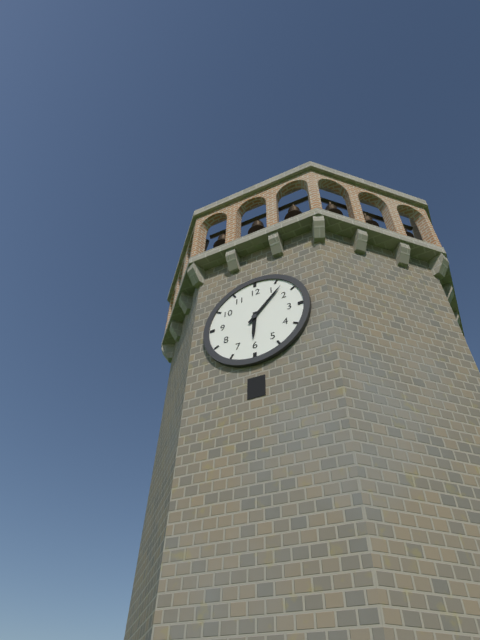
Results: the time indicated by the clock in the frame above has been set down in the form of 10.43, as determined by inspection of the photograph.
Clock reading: 6.07
